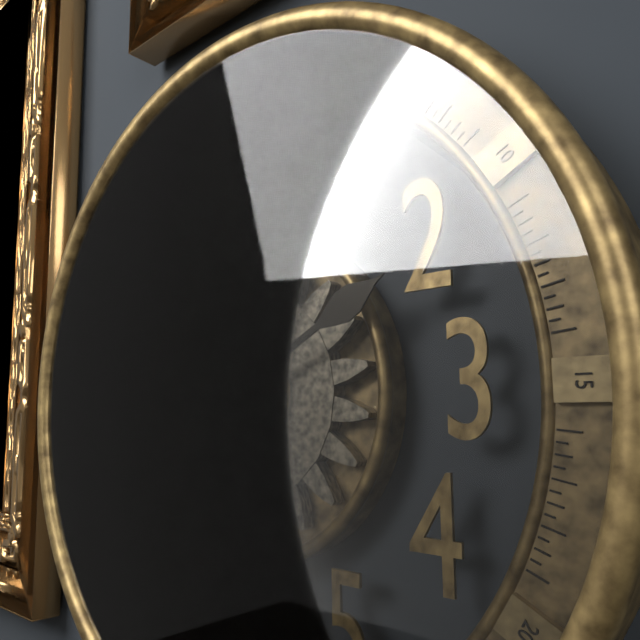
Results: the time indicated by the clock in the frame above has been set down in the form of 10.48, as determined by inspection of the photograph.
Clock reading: 2.05
